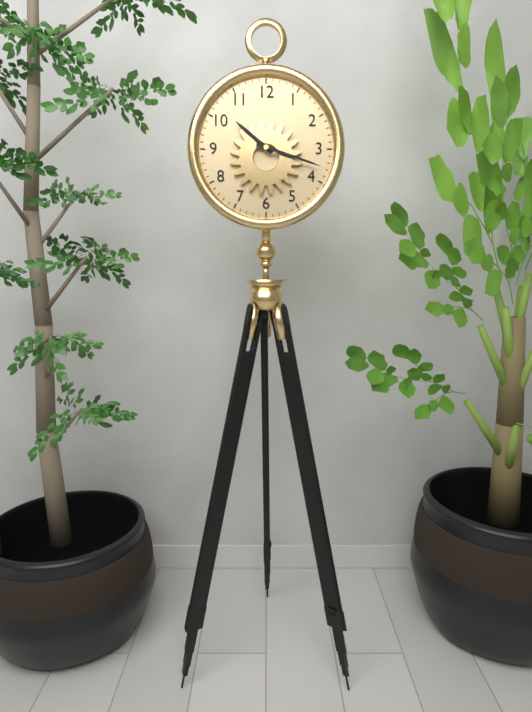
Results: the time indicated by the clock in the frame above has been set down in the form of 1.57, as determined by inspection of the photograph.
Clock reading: 10.18
